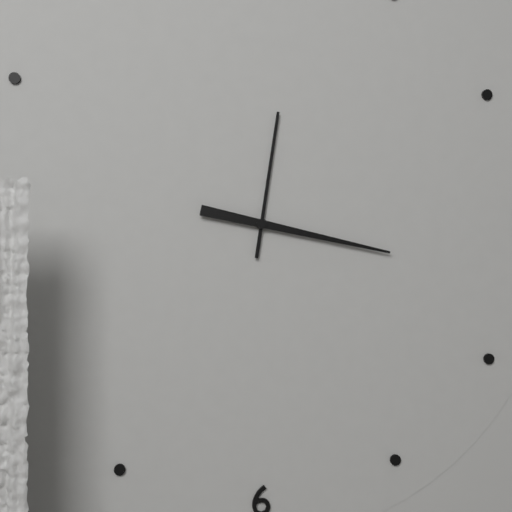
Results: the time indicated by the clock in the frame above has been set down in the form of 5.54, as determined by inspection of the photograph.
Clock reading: 12.17
